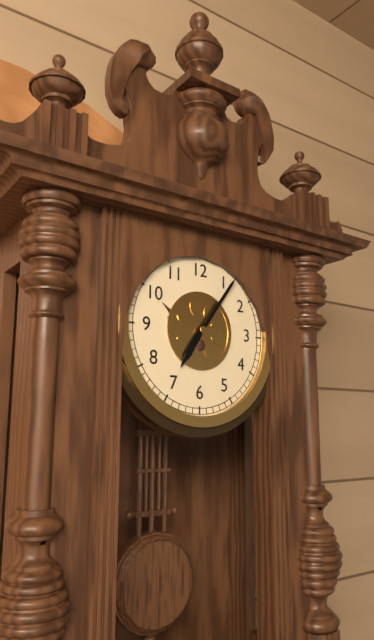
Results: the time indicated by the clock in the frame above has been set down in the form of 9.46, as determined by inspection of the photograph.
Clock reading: 7.06
